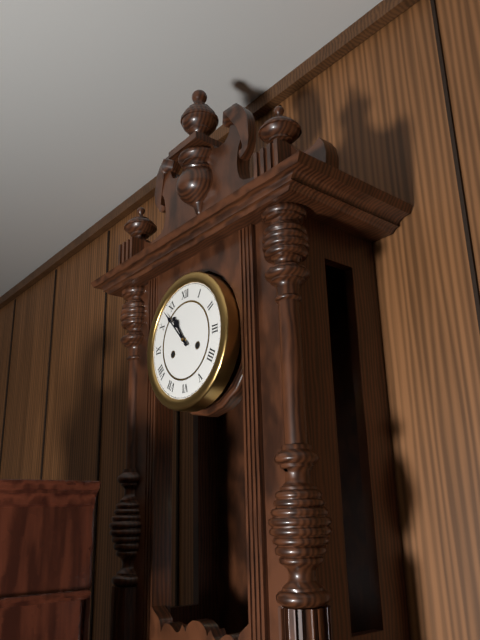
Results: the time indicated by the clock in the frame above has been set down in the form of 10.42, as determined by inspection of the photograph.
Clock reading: 10.53
